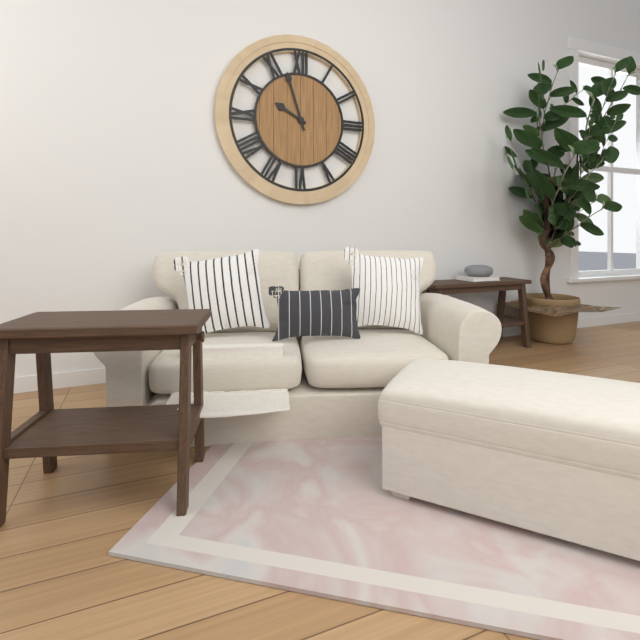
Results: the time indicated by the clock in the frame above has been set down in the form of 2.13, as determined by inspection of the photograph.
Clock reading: 9.57
